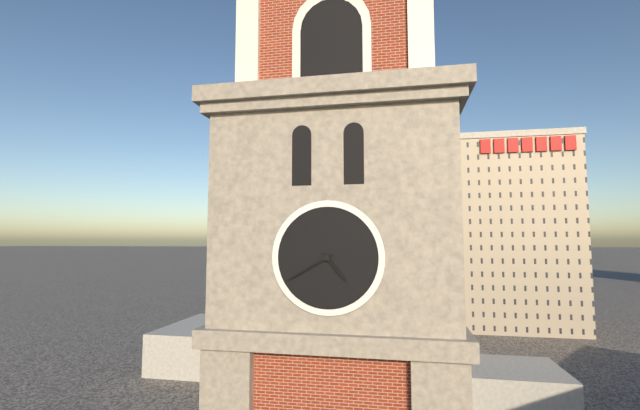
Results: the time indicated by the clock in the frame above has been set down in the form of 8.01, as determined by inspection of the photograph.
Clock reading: 4.40
